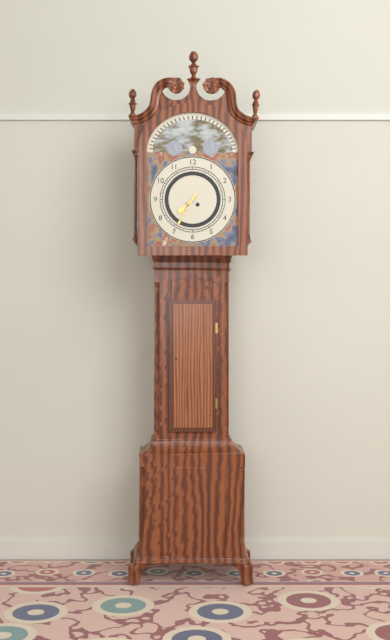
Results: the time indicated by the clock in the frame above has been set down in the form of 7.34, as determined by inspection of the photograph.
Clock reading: 7.35
